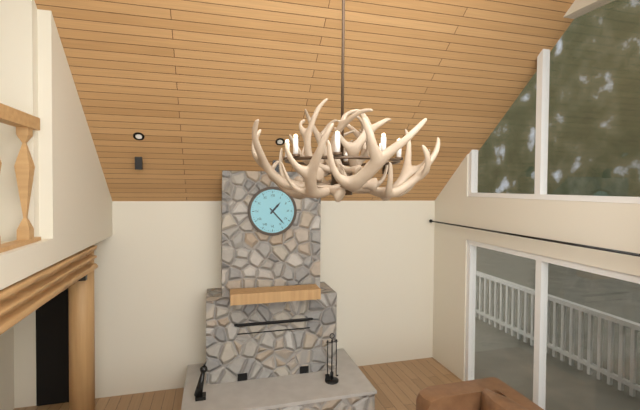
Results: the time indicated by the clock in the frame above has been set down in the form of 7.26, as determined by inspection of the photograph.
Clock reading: 1.23
